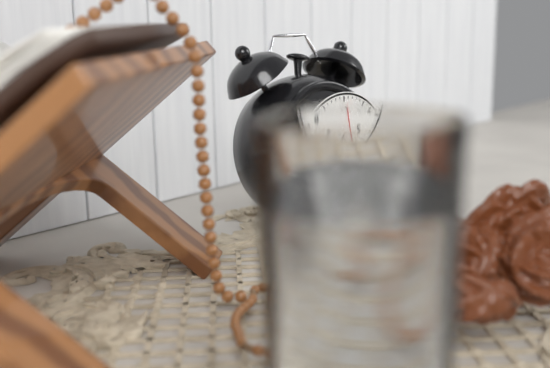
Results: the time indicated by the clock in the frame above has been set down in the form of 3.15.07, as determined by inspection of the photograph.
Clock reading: 8.48.28
